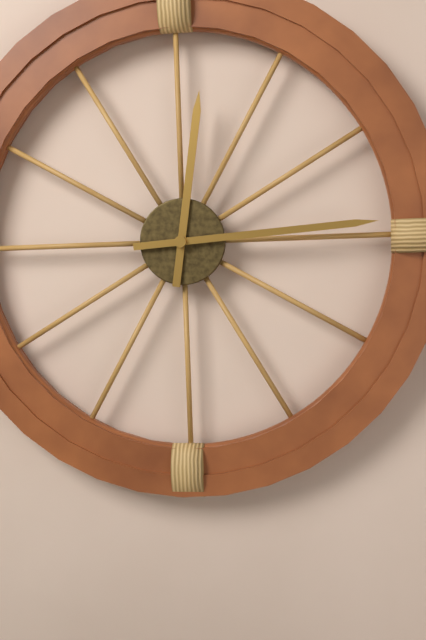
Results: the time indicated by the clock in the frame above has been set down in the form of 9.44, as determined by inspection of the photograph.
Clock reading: 12.14
